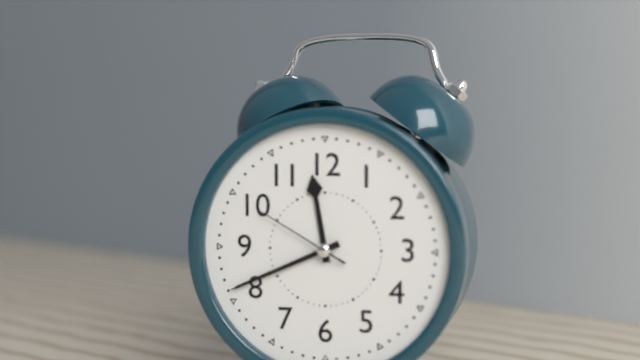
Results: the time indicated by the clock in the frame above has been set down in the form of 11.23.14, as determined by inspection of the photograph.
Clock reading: 11.41.50
